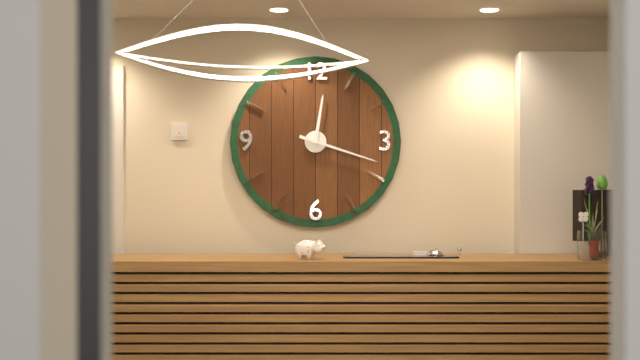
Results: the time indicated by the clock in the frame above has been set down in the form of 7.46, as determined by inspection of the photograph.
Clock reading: 12.18
